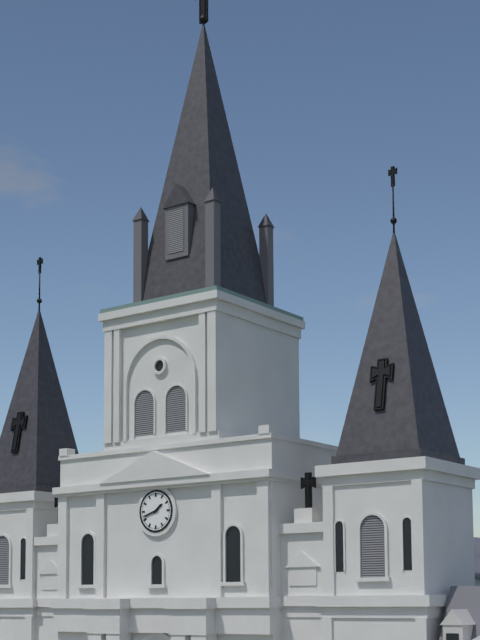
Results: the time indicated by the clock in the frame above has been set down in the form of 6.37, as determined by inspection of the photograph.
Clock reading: 1.42
